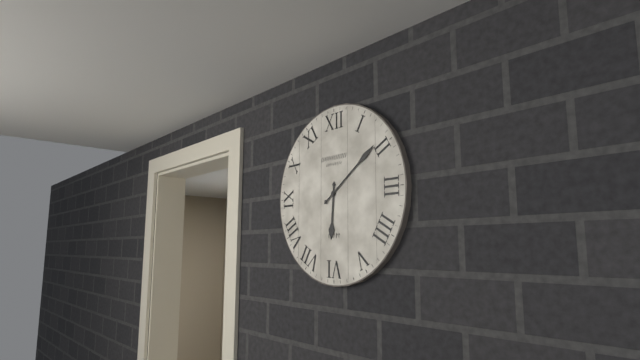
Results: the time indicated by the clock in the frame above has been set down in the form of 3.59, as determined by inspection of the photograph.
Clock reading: 6.09
